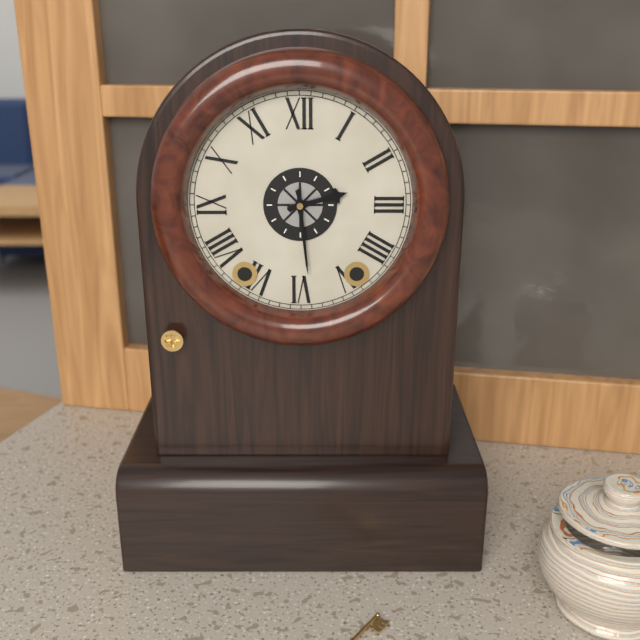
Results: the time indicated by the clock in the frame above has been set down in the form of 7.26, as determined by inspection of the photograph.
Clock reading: 2.29
